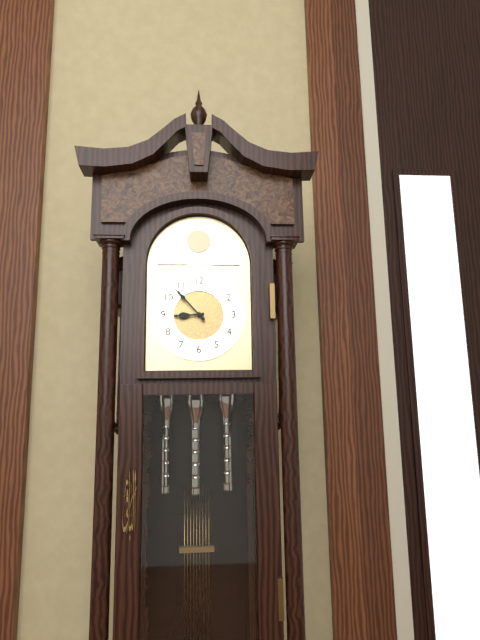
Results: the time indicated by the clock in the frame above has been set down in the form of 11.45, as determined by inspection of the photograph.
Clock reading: 8.53
